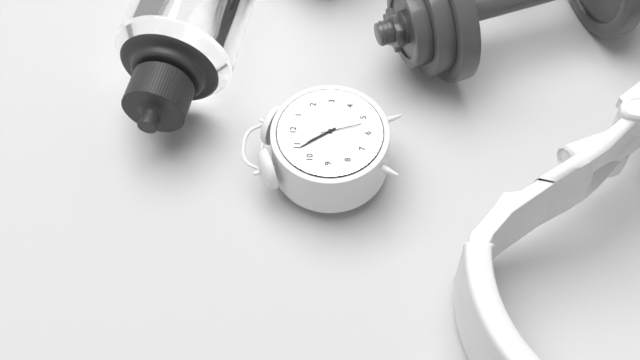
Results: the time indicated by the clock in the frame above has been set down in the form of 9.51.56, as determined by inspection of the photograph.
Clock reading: 10.54.27
